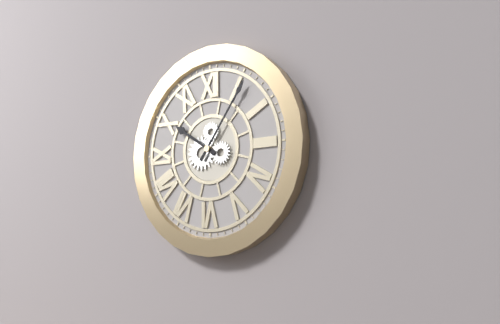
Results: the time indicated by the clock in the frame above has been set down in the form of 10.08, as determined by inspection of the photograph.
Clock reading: 10.06
